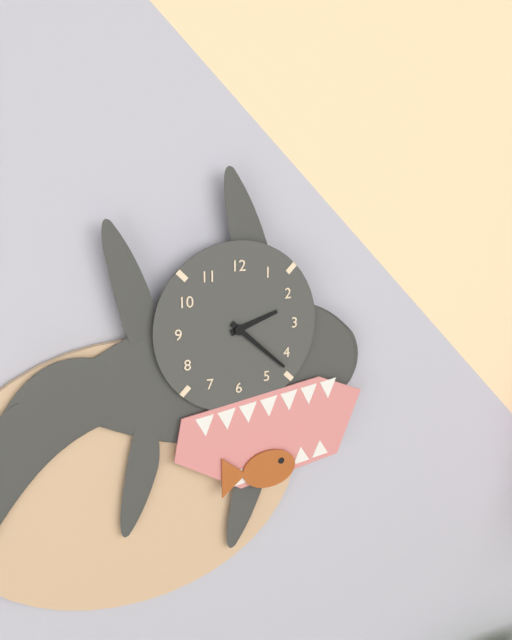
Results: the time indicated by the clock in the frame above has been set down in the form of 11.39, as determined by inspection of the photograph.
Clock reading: 2.22
